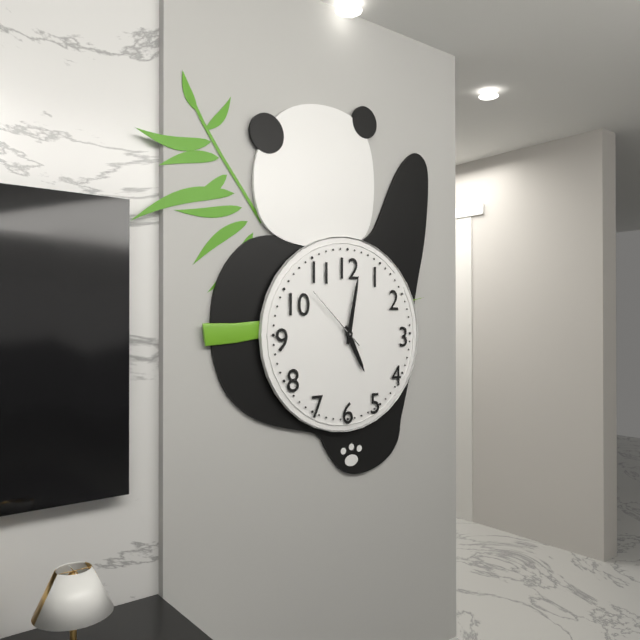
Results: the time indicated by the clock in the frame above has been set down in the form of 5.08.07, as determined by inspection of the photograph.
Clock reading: 5.02.52
